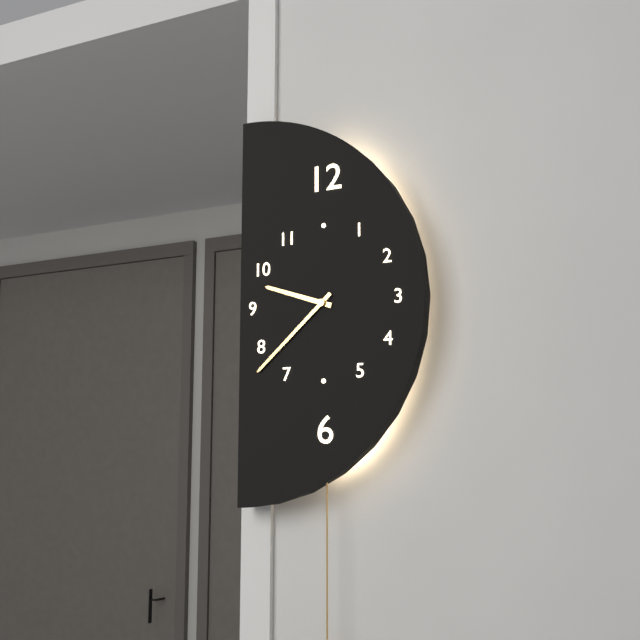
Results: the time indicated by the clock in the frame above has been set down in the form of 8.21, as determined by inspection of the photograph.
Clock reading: 9.38
